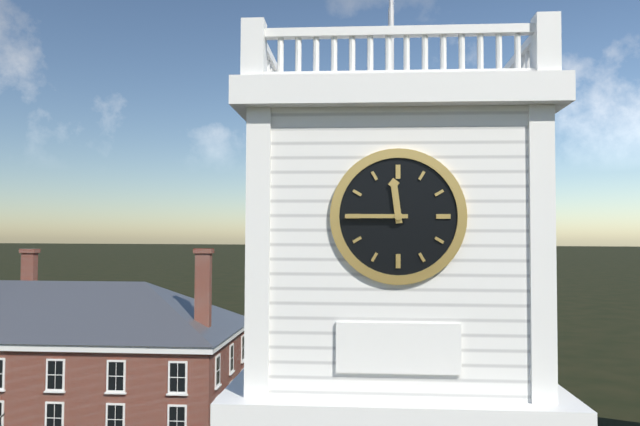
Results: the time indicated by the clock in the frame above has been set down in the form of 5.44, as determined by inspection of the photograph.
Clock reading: 11.45
